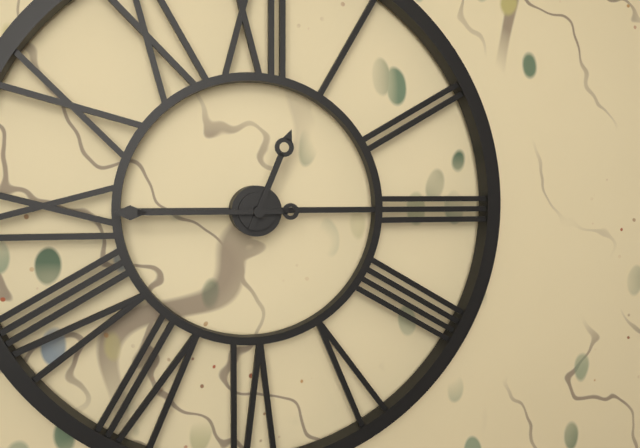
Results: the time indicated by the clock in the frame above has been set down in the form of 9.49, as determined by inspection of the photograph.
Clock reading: 12.45
